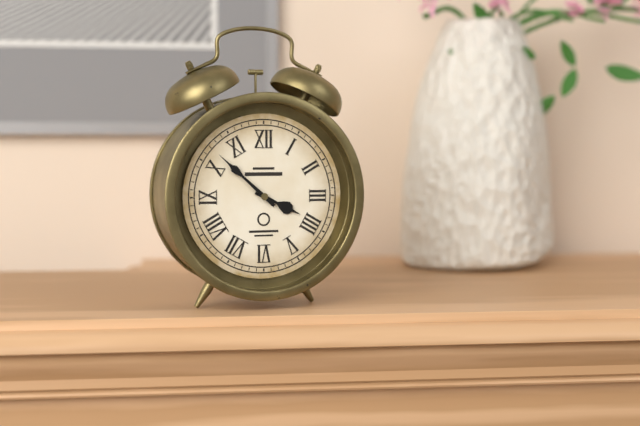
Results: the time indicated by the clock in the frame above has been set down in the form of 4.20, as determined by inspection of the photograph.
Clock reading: 3.52
